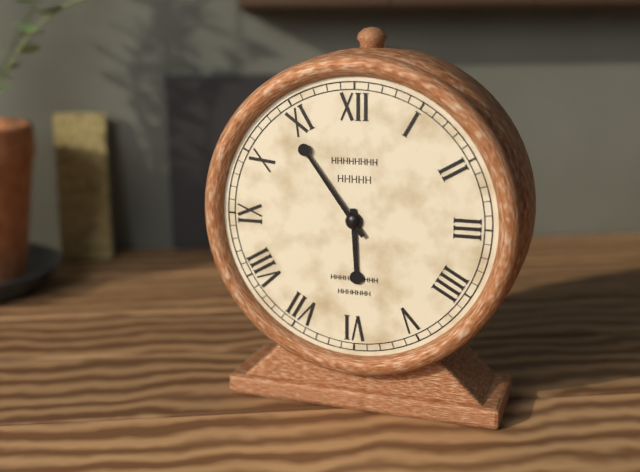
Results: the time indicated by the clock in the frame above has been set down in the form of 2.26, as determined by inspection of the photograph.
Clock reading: 5.54
